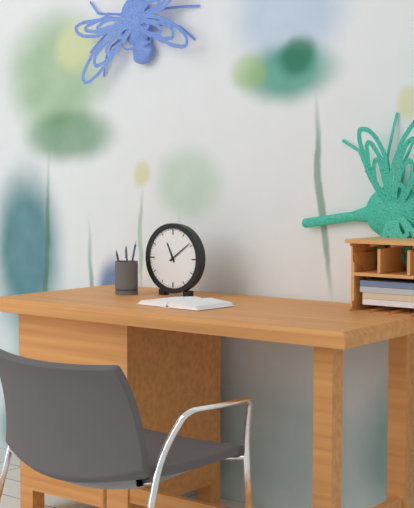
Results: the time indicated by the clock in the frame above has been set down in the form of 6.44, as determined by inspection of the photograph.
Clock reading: 11.09
